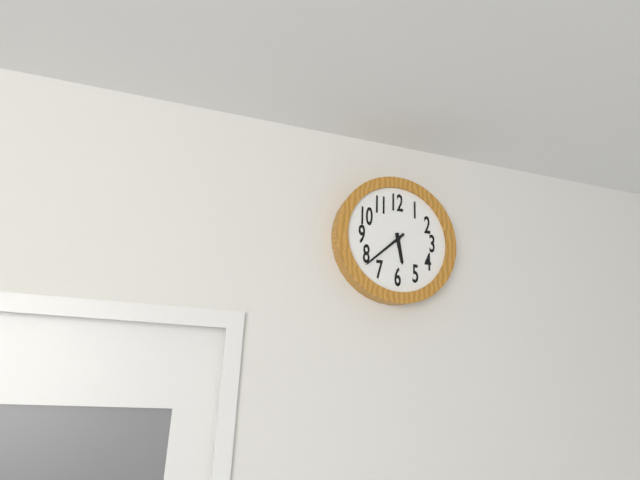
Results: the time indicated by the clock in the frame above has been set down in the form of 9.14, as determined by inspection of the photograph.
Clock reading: 5.38
